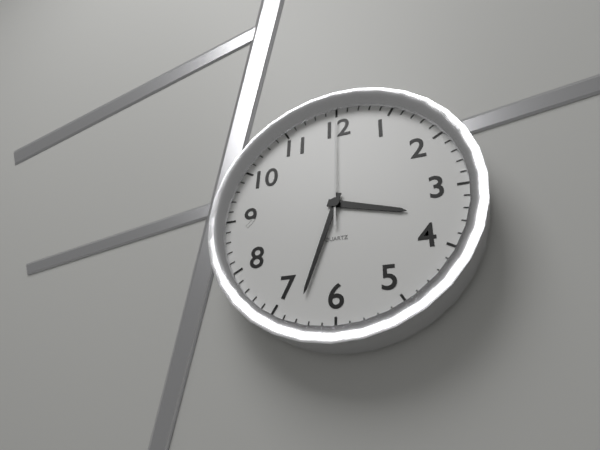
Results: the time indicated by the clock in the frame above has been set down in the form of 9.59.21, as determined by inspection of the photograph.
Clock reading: 3.33.00
